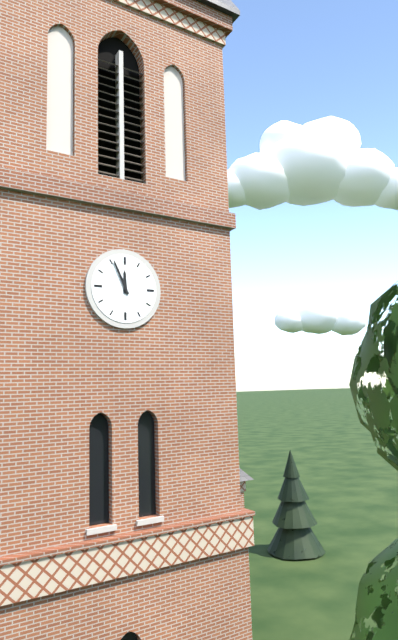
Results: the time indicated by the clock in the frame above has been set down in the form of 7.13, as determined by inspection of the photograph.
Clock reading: 11.56
